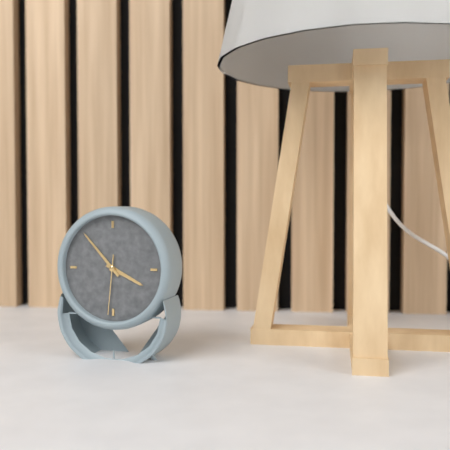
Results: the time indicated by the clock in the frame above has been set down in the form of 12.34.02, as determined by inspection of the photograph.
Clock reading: 3.53.31
